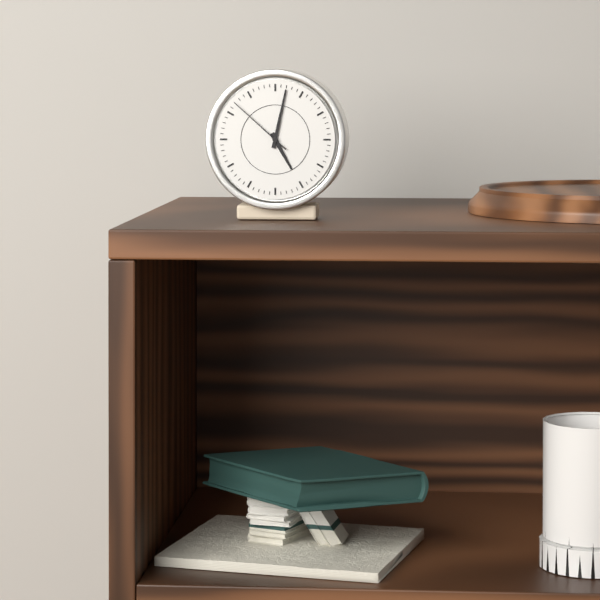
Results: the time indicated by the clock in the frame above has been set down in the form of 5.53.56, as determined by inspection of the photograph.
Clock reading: 5.02.52
